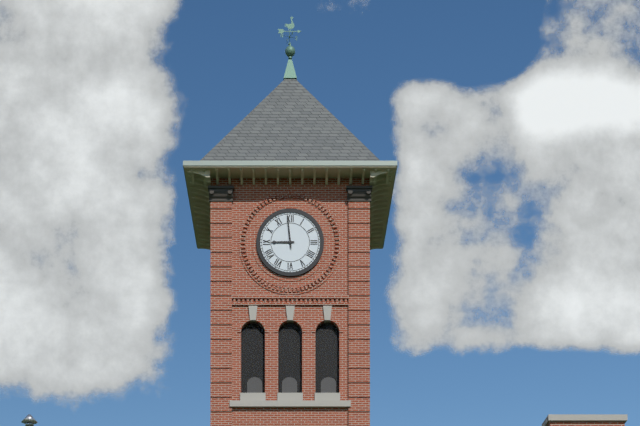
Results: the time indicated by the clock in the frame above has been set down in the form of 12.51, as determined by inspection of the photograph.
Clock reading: 8.59
